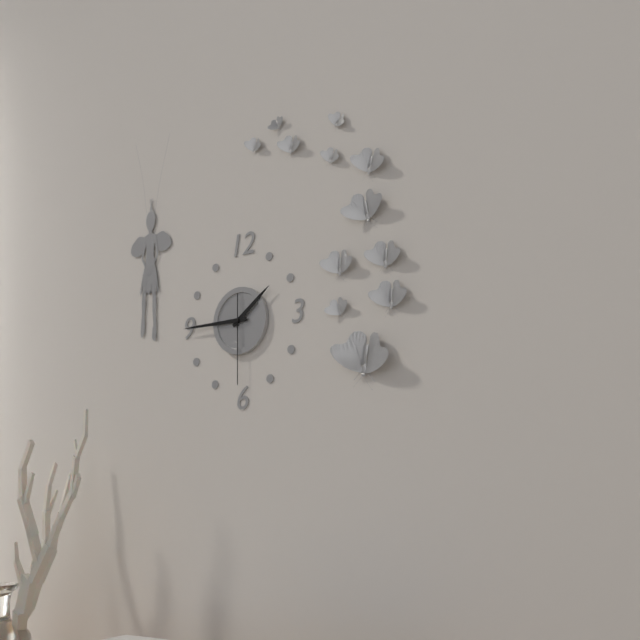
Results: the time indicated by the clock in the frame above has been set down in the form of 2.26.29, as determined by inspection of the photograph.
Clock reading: 1.45.30
